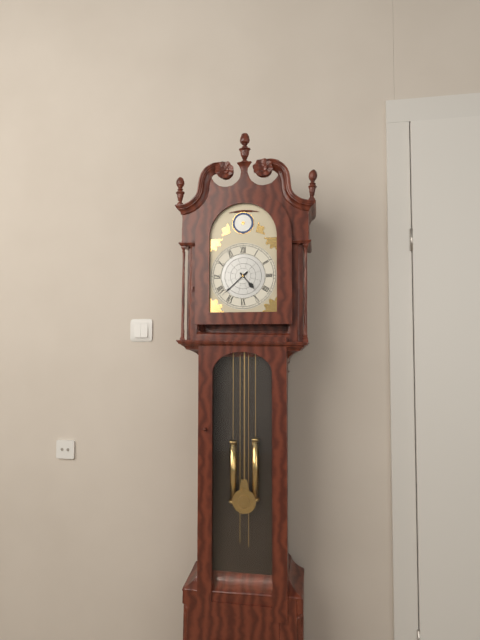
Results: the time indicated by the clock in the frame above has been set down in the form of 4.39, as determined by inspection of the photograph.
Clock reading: 4.38
